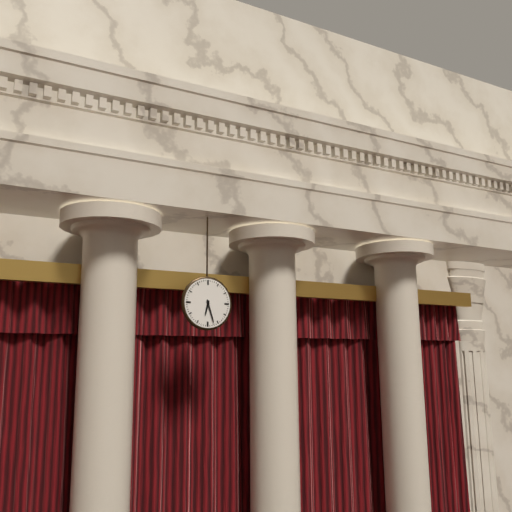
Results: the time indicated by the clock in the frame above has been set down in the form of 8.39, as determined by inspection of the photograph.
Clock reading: 6.27
